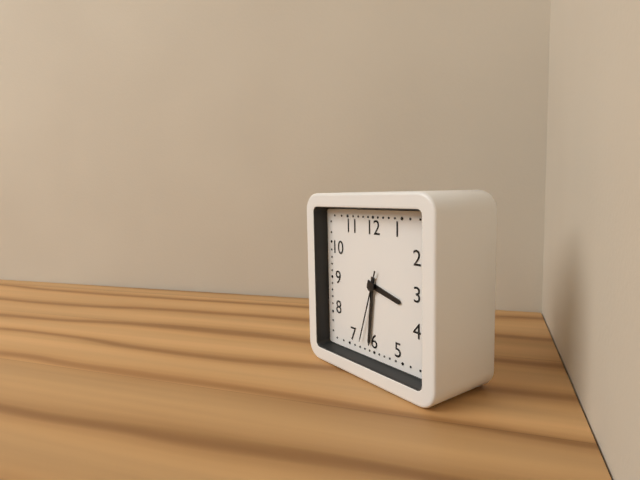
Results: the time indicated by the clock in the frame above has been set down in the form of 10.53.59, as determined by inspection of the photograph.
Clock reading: 3.31.33
